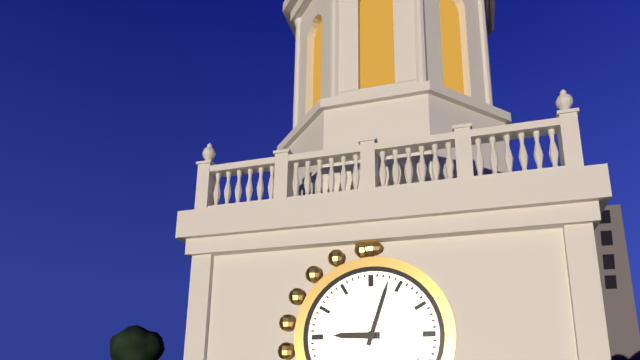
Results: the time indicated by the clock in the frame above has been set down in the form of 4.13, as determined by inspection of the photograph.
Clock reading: 9.03
